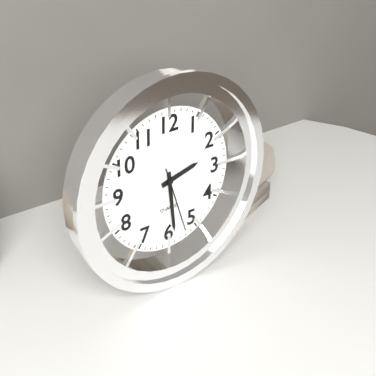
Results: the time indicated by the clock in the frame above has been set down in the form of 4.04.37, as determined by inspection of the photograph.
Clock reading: 2.29.27
